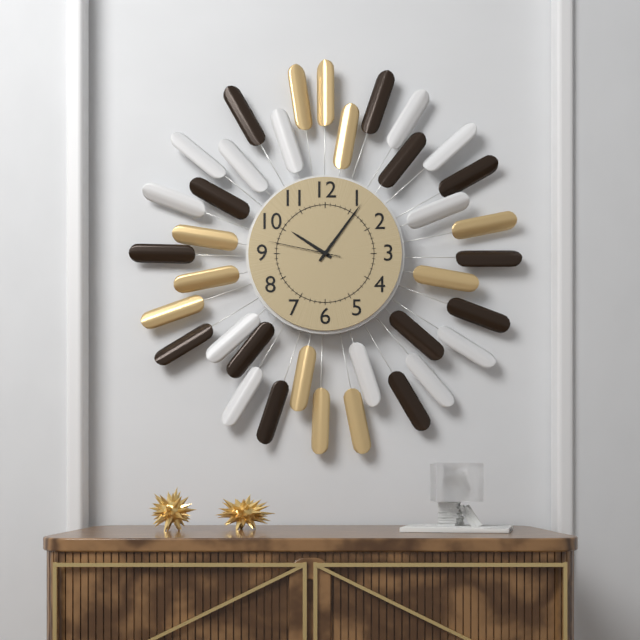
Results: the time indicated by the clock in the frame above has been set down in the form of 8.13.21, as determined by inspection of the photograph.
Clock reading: 10.06.47
